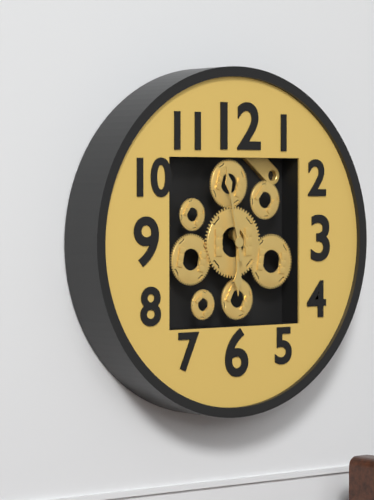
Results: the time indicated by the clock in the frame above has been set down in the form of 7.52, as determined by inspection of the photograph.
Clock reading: 5.58
